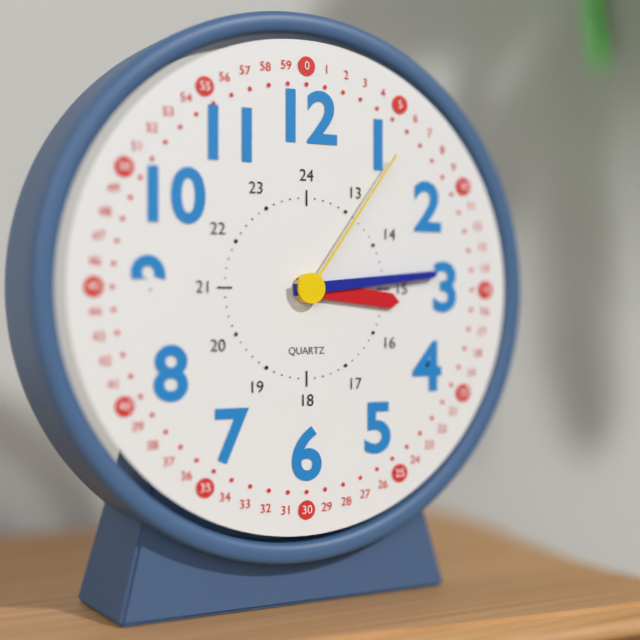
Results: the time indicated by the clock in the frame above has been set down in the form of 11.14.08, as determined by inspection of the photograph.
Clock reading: 3.14.06
